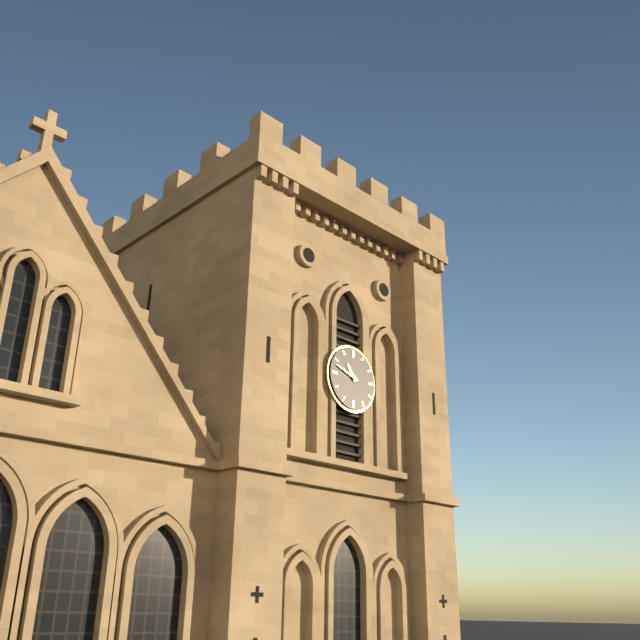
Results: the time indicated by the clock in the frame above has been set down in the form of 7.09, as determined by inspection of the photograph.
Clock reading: 10.48
